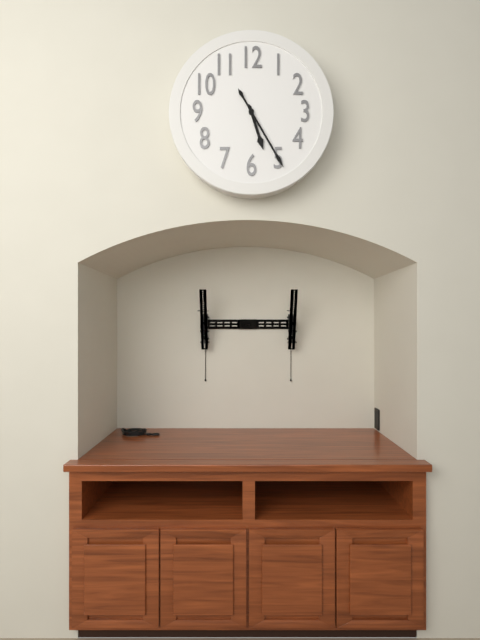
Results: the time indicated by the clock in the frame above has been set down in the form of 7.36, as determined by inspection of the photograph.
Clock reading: 5.25
